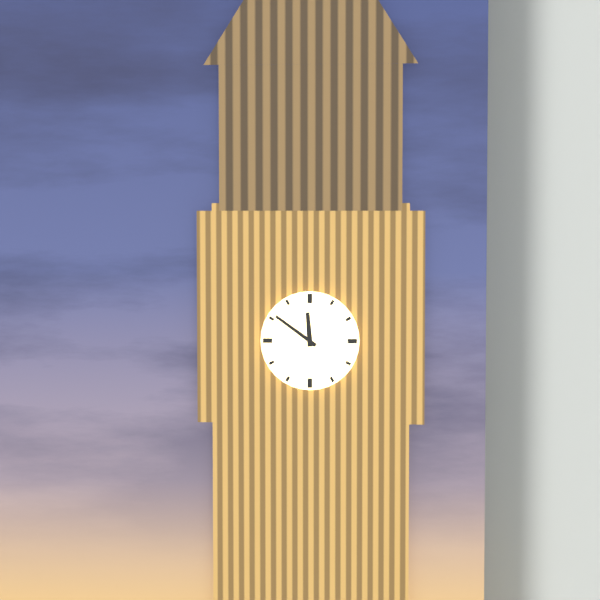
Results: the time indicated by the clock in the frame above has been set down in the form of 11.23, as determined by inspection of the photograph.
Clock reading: 11.51
